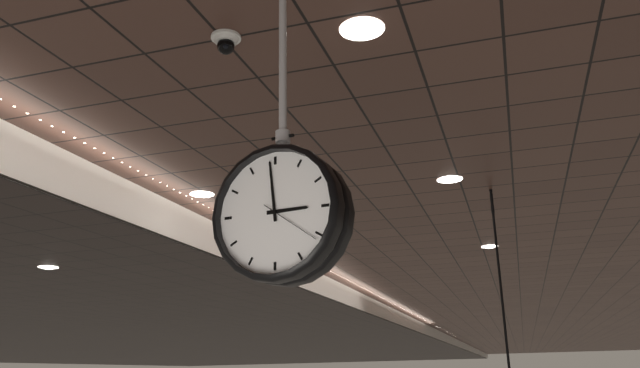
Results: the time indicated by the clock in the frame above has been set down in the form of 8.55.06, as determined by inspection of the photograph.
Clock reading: 2.59.21
